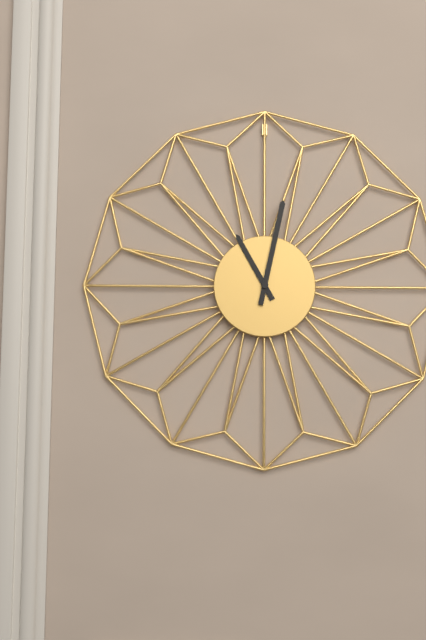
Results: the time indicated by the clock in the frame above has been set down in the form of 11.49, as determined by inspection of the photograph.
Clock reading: 11.02
